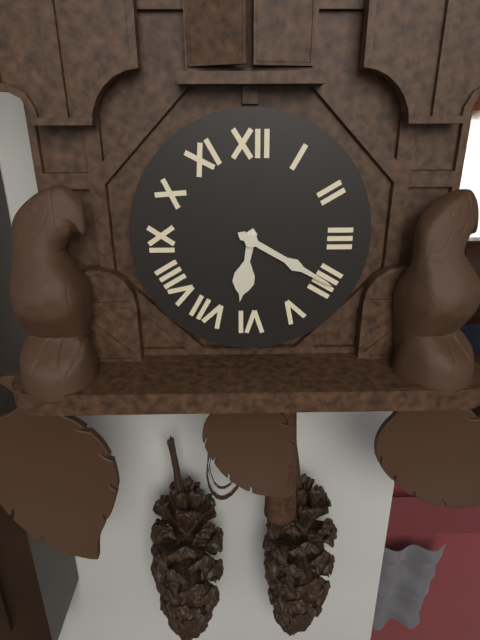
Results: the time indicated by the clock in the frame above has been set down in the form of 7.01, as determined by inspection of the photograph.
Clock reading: 6.20
